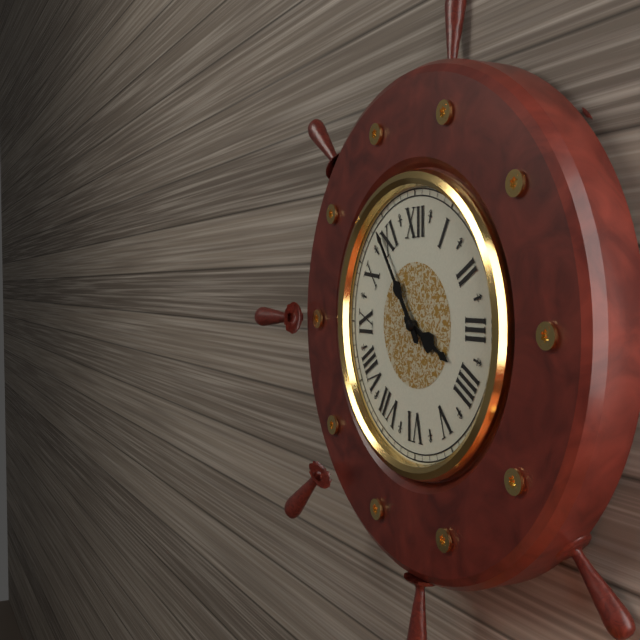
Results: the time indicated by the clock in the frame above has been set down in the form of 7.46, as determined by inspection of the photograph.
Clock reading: 3.54
